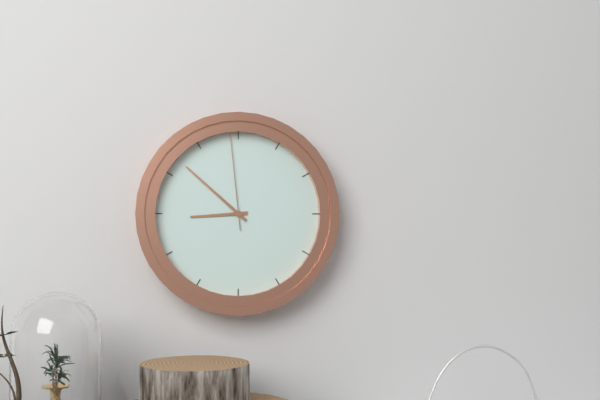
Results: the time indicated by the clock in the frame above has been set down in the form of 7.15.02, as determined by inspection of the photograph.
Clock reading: 8.52.59
